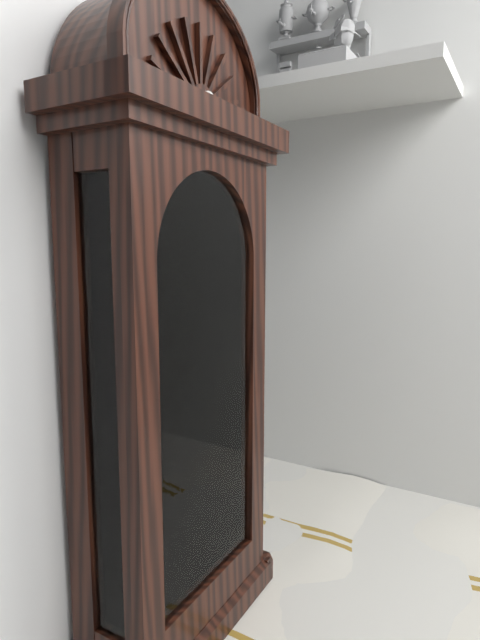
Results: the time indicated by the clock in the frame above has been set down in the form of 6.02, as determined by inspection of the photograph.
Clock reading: 12.51
